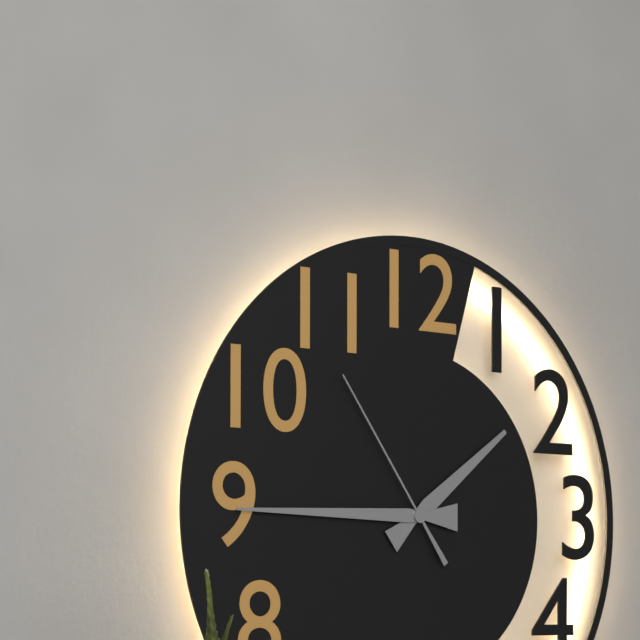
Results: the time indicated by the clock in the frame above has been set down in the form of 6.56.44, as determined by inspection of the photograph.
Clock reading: 1.45.54
